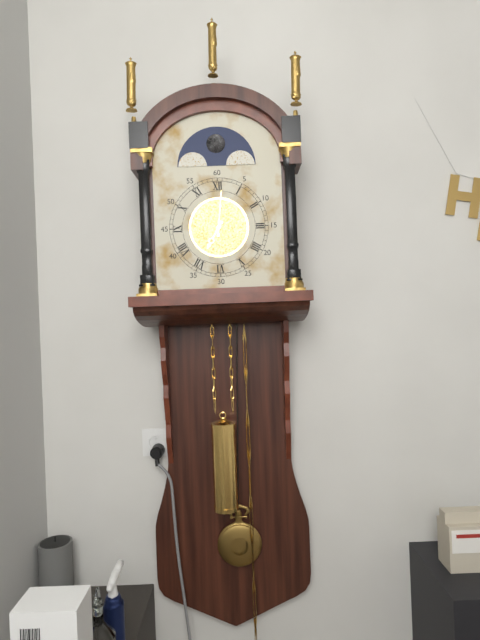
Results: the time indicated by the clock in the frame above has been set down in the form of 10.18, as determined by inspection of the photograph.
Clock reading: 7.01
